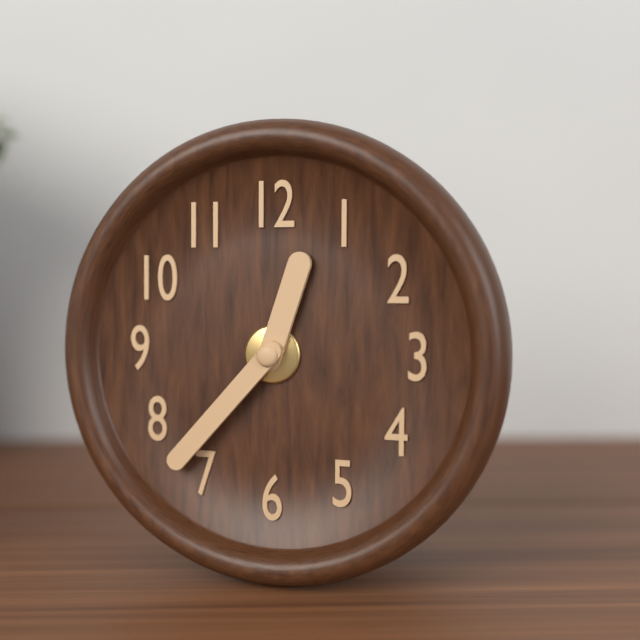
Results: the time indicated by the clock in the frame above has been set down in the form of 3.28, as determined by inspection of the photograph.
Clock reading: 12.37
